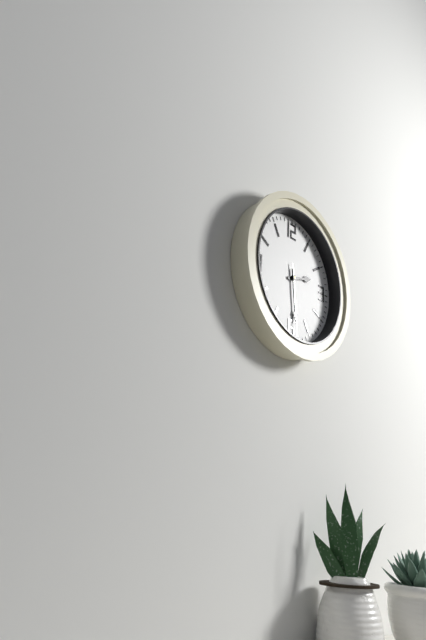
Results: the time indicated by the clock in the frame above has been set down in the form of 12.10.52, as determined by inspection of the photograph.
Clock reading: 2.29.29
